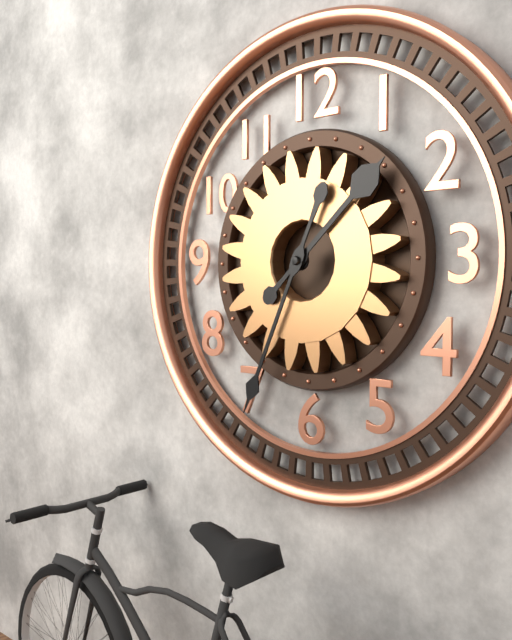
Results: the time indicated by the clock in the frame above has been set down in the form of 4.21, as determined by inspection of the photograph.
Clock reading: 1.34
